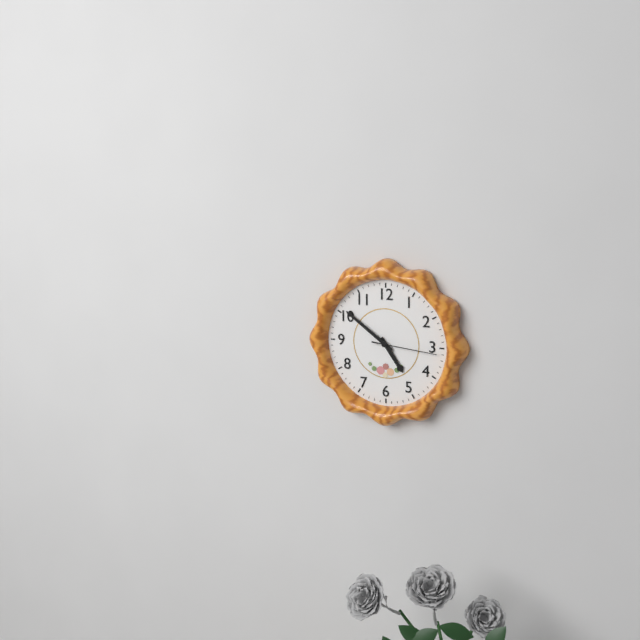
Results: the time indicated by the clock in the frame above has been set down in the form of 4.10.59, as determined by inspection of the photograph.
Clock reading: 4.51.16
